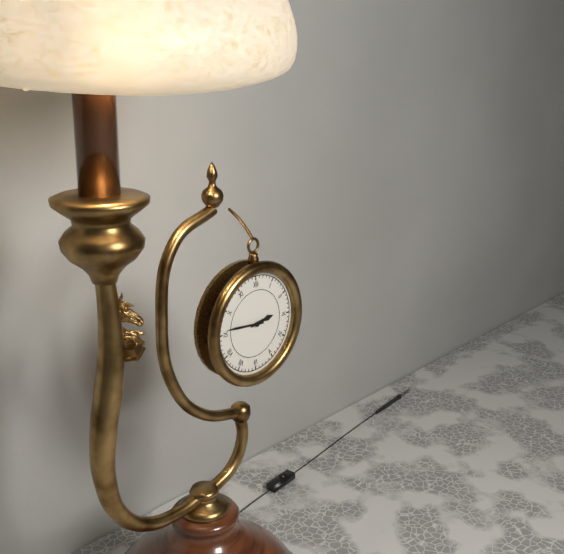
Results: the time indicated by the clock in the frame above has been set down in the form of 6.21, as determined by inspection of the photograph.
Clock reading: 2.46
